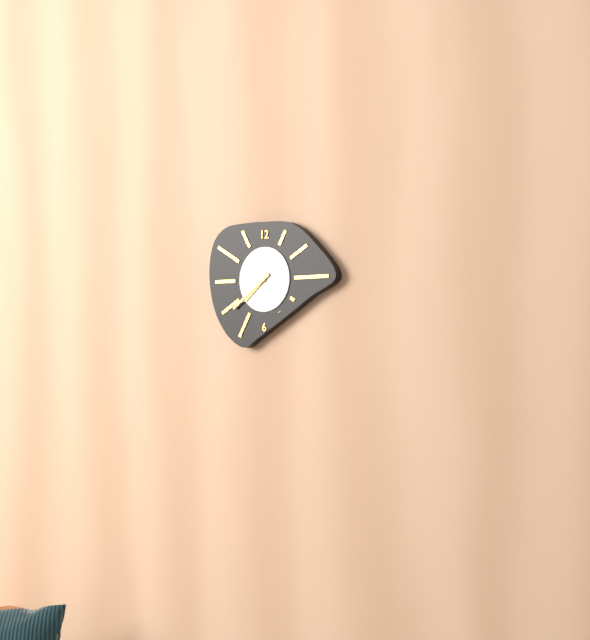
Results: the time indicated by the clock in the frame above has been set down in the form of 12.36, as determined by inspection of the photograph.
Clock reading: 7.39
